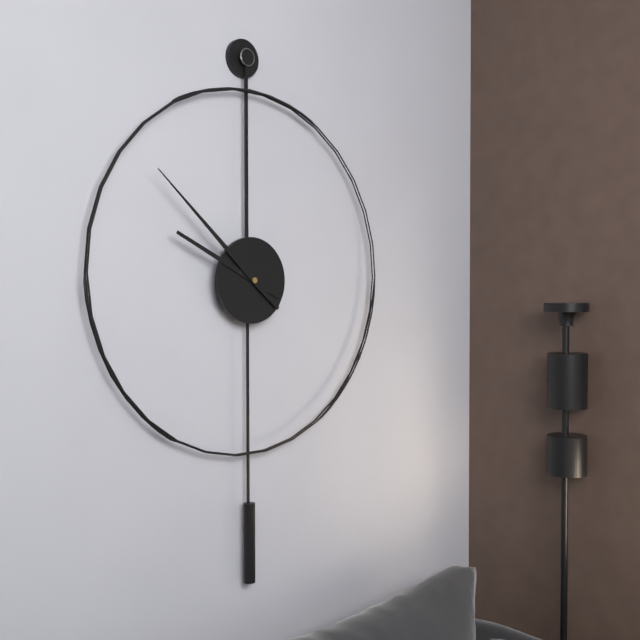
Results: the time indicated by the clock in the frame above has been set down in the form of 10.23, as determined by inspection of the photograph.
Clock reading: 9.52
